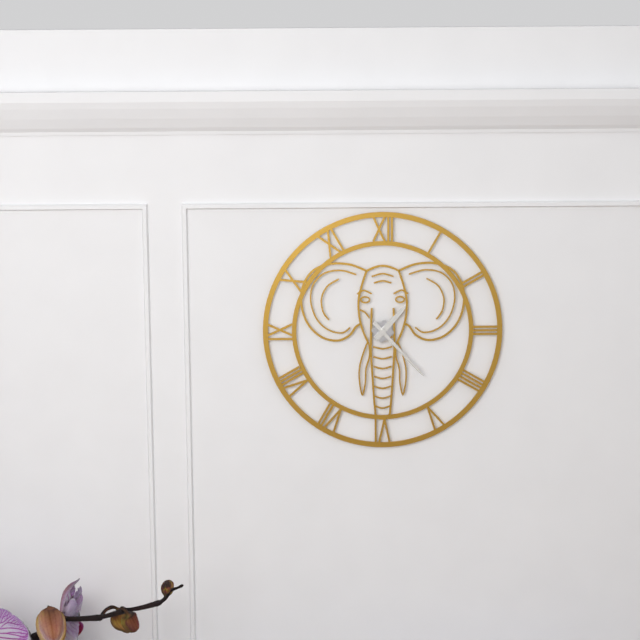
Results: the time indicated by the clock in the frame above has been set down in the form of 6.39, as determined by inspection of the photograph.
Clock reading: 1.23
